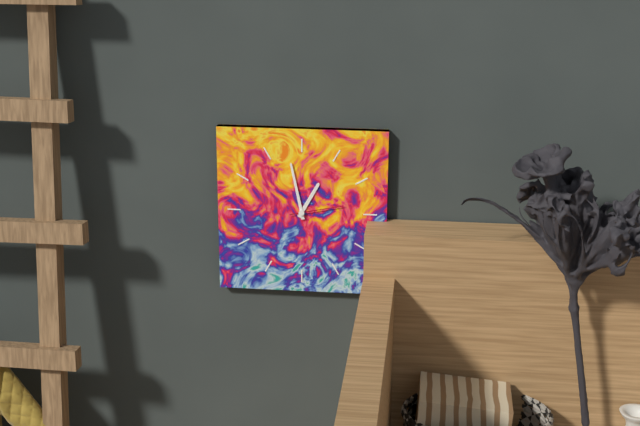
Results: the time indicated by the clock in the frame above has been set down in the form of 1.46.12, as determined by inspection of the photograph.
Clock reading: 12.58.13
